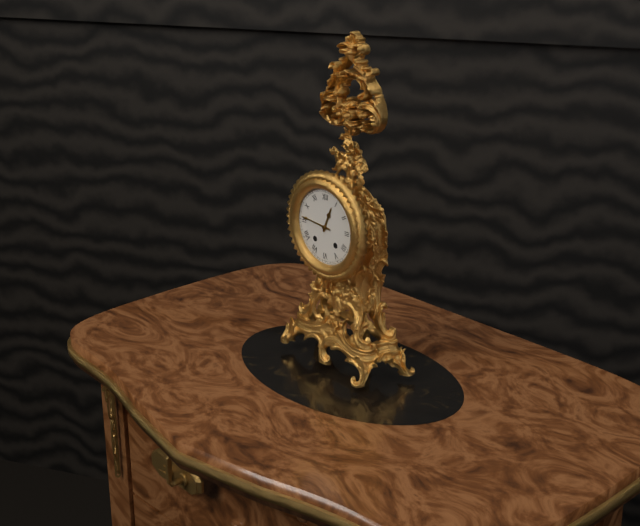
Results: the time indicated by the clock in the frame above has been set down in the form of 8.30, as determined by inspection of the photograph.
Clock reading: 12.46
